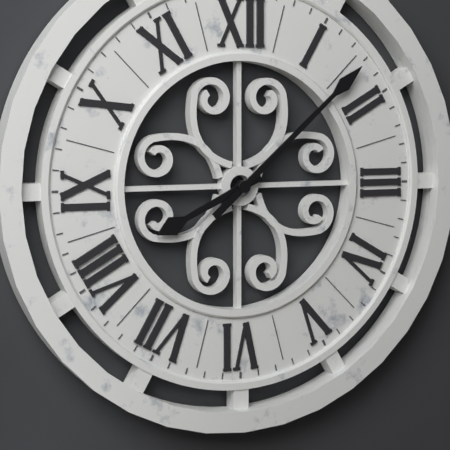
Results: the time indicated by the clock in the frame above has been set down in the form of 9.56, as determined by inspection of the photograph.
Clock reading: 8.08
